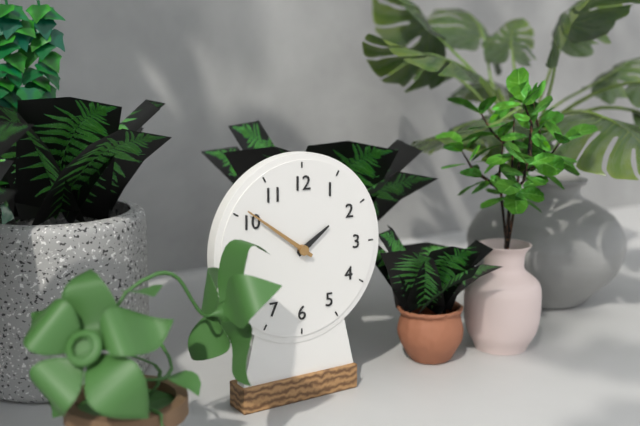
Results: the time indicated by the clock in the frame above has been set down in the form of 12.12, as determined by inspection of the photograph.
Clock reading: 1.51
